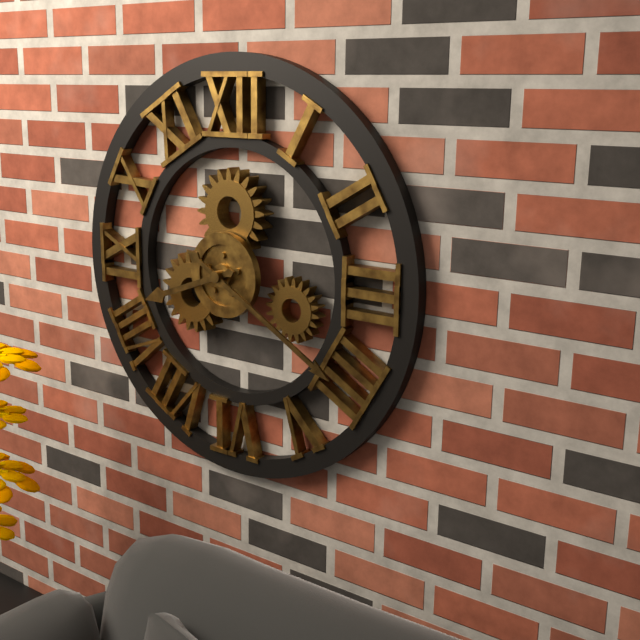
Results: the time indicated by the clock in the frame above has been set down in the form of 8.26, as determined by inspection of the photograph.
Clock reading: 8.20
